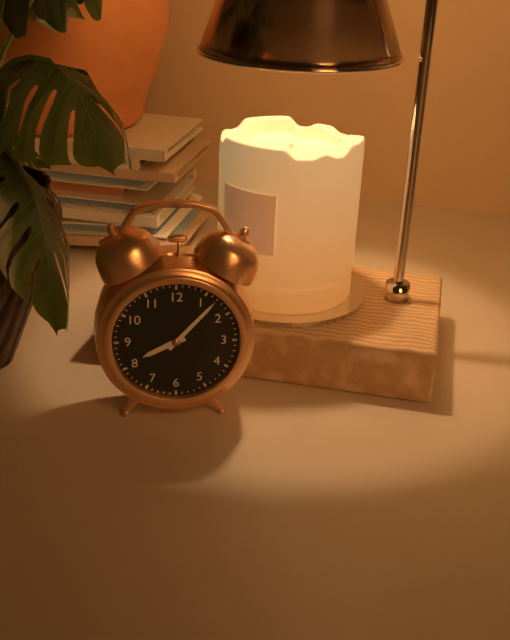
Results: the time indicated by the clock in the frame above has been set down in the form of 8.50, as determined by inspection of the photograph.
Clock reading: 8.07
